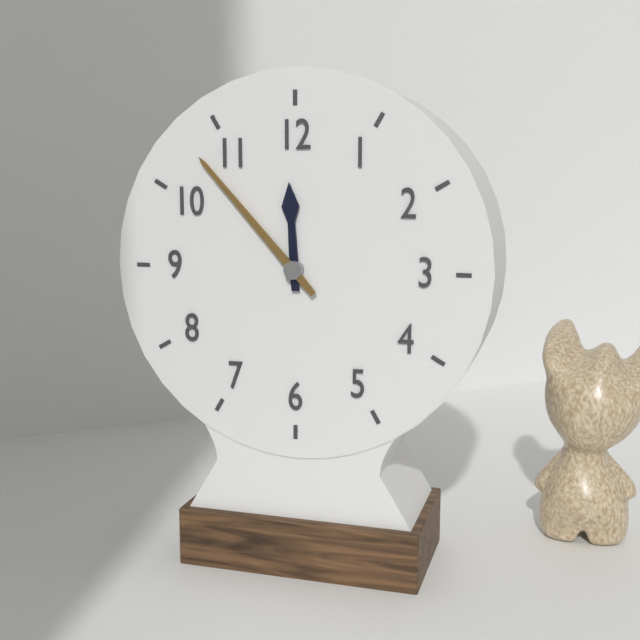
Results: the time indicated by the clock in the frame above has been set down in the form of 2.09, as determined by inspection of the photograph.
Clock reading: 11.53
